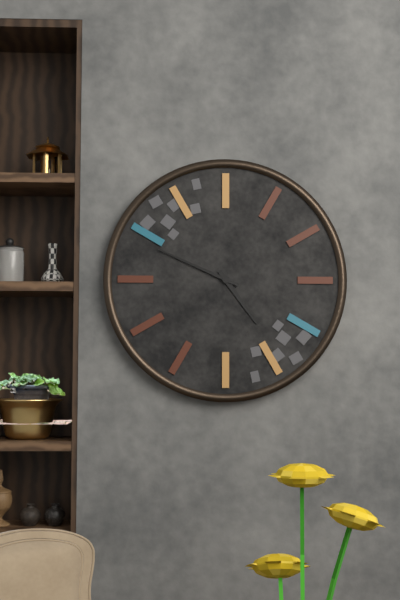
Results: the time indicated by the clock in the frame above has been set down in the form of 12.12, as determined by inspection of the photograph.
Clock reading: 4.49
